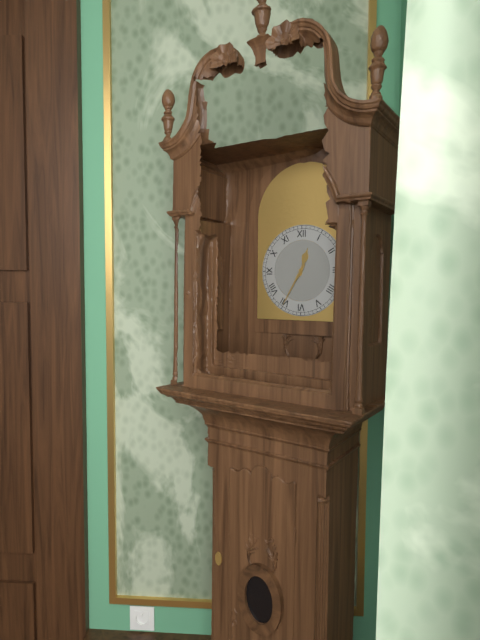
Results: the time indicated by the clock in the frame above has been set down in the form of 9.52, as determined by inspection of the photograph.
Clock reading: 12.35
